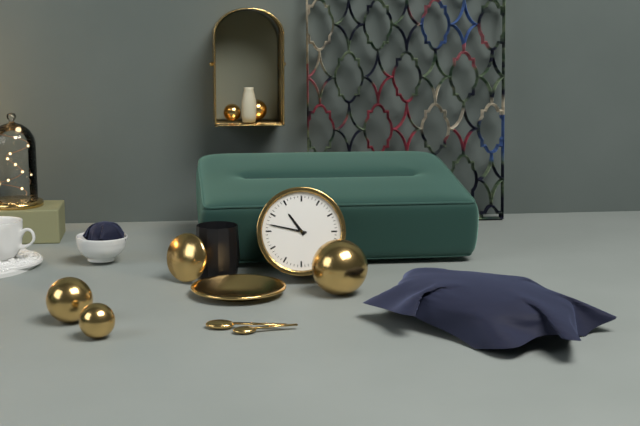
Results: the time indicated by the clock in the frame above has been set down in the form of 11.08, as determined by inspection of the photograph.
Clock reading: 10.47
